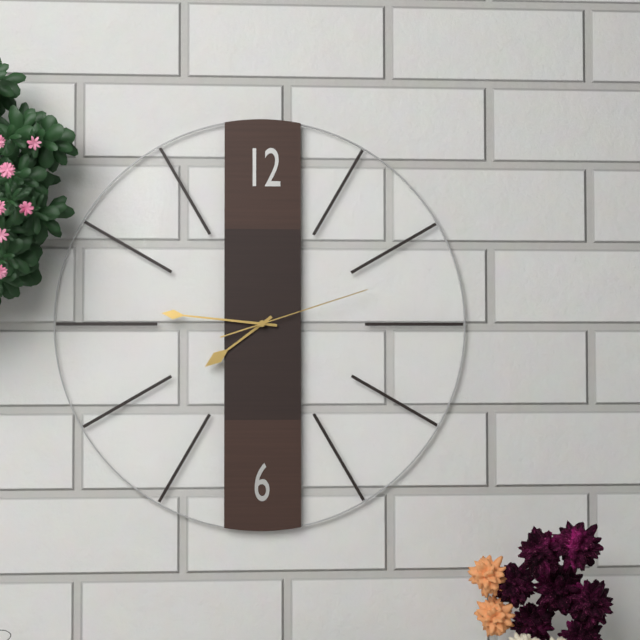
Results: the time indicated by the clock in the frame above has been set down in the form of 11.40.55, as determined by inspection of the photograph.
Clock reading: 7.46.12
